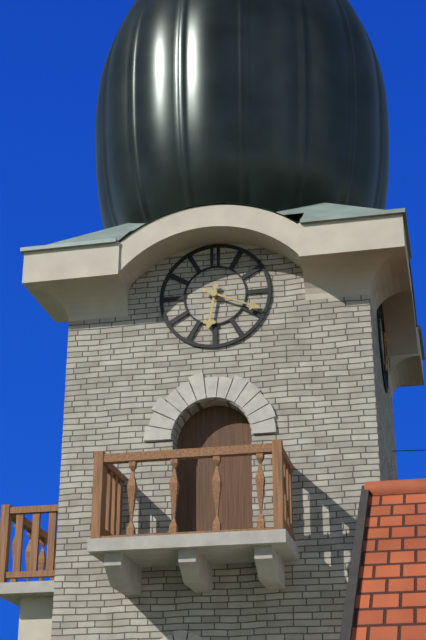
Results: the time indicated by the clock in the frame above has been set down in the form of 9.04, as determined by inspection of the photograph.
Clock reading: 6.19
